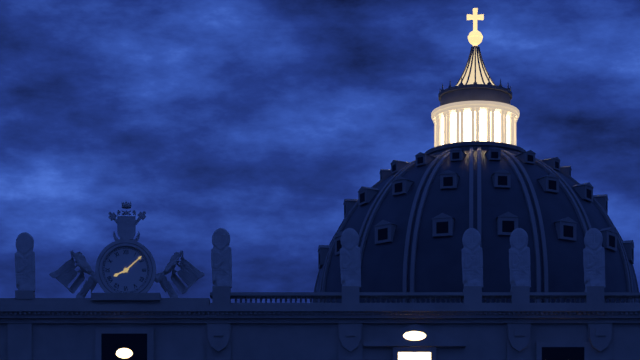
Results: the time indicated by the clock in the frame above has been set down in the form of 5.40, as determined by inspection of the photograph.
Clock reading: 8.08
